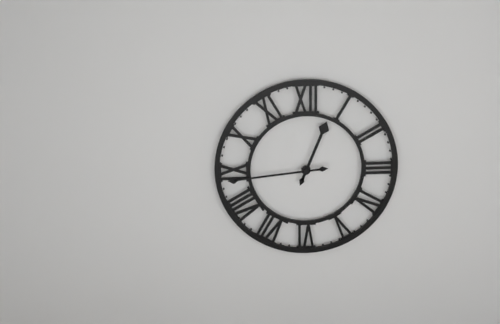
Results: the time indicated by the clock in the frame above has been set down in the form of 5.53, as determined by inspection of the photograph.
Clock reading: 12.44
